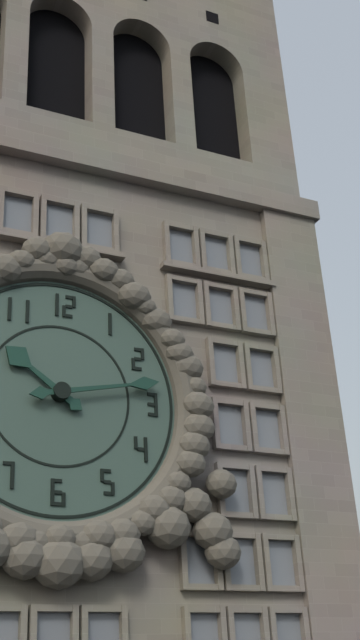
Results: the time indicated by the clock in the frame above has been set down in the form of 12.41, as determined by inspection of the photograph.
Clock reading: 10.13
